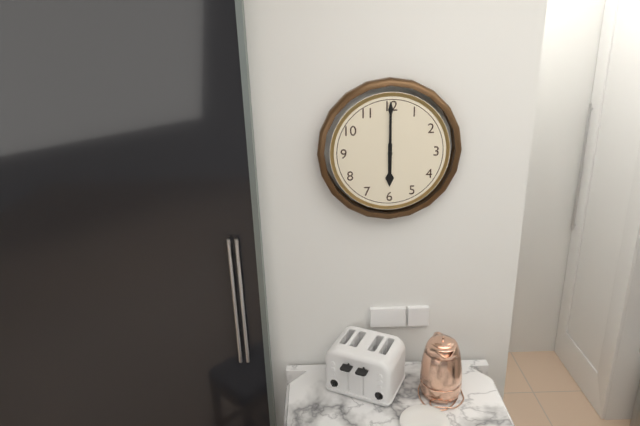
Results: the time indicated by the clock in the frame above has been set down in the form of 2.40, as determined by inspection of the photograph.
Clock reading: 6.00
